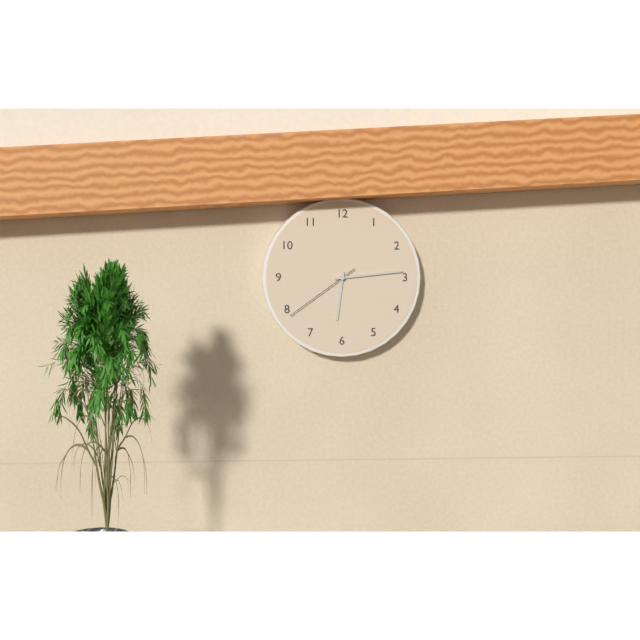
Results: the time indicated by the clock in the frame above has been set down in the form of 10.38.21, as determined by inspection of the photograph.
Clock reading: 6.14.39
